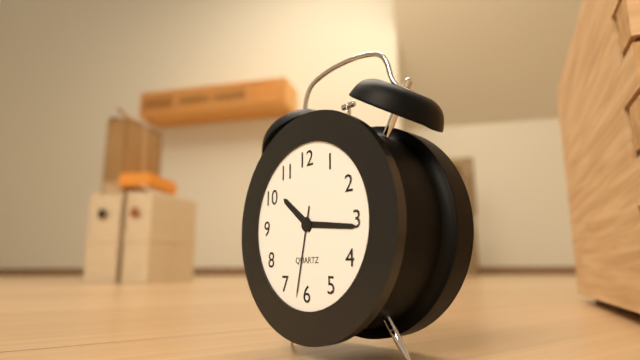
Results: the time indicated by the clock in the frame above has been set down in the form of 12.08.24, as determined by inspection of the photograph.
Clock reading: 10.16.32
